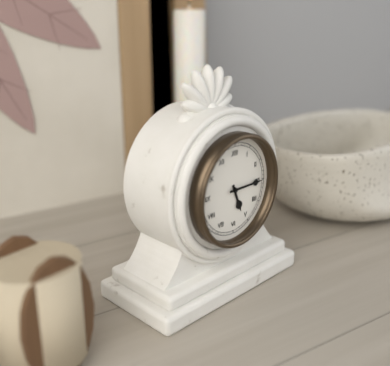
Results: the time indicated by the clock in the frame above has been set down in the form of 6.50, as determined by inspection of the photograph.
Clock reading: 5.15
